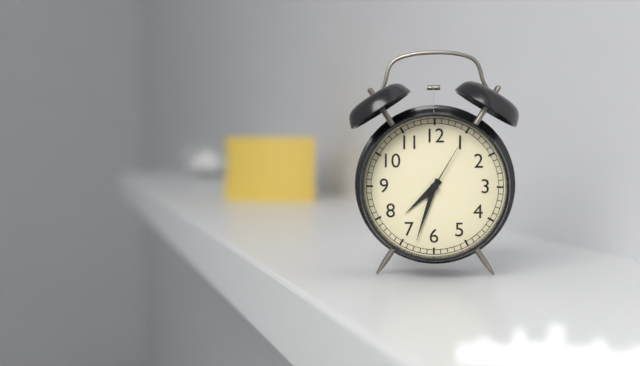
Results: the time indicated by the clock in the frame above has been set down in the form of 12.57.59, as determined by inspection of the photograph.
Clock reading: 7.33.05
